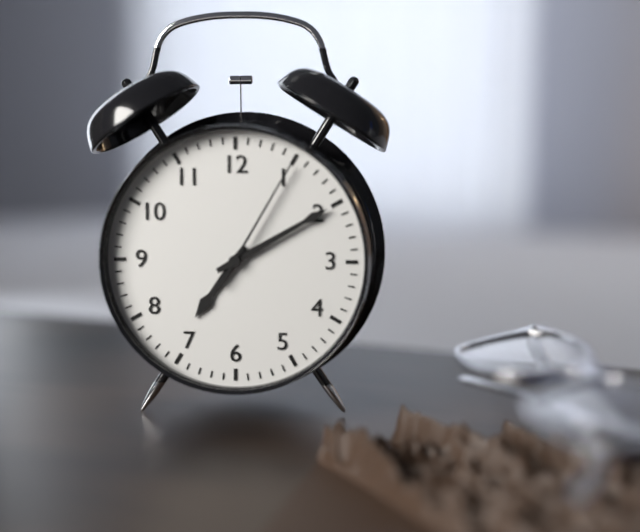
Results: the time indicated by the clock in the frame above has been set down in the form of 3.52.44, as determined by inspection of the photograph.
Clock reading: 7.10.05
